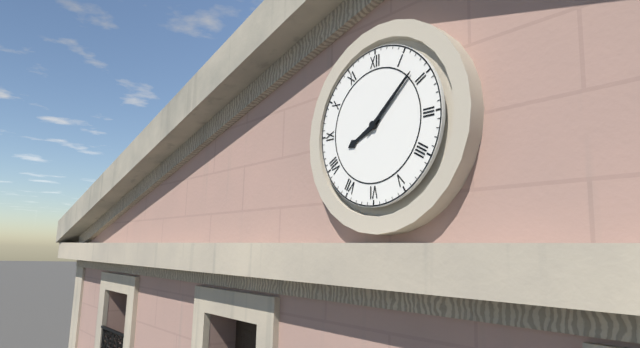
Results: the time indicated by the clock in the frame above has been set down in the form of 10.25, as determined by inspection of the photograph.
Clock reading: 8.08
